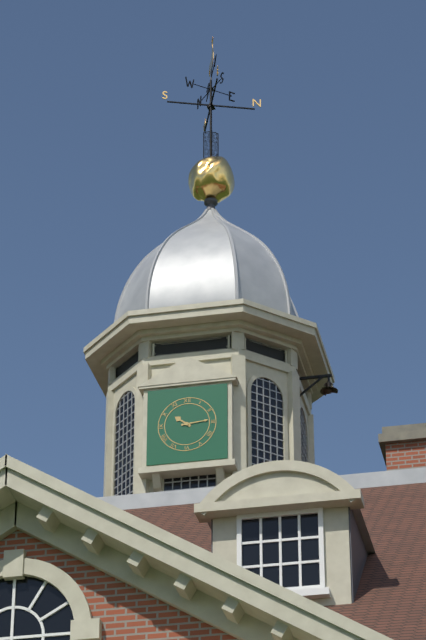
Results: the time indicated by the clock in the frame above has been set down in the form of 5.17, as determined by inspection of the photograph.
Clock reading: 10.14
